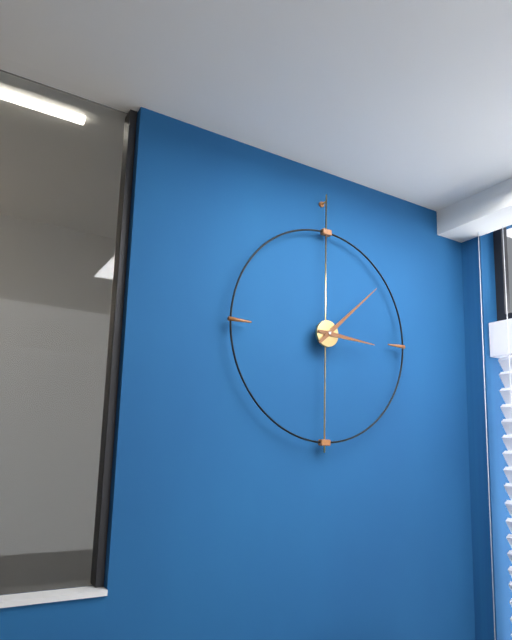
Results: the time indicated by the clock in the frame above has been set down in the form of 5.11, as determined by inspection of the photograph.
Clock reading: 3.08
